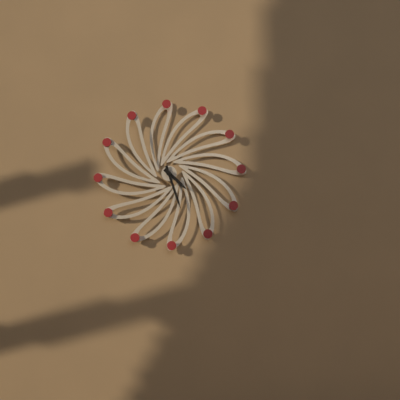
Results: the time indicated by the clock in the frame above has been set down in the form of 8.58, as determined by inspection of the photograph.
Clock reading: 4.27
